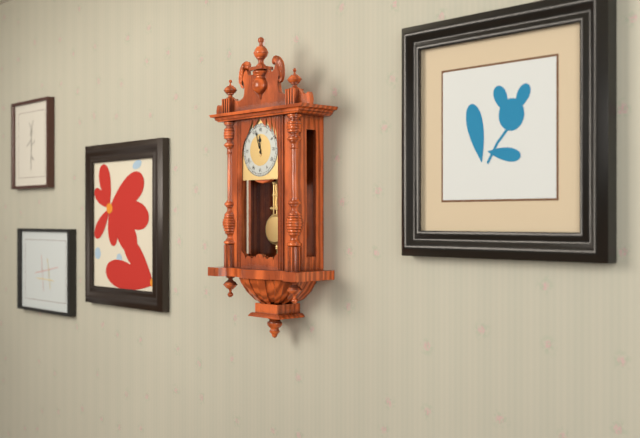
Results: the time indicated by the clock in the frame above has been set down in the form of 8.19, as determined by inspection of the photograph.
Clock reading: 11.57
